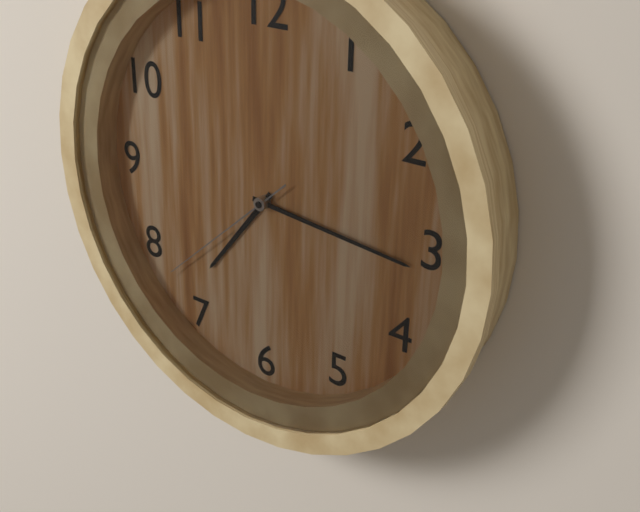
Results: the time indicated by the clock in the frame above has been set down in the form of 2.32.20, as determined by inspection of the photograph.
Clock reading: 7.16.38
